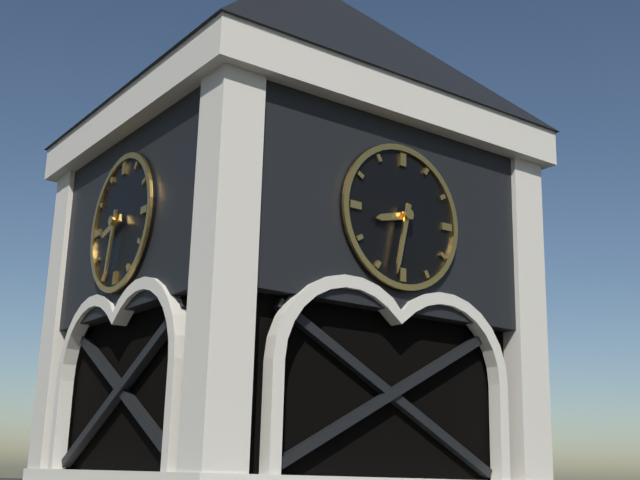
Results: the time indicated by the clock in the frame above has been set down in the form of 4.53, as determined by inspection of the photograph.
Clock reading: 8.32
